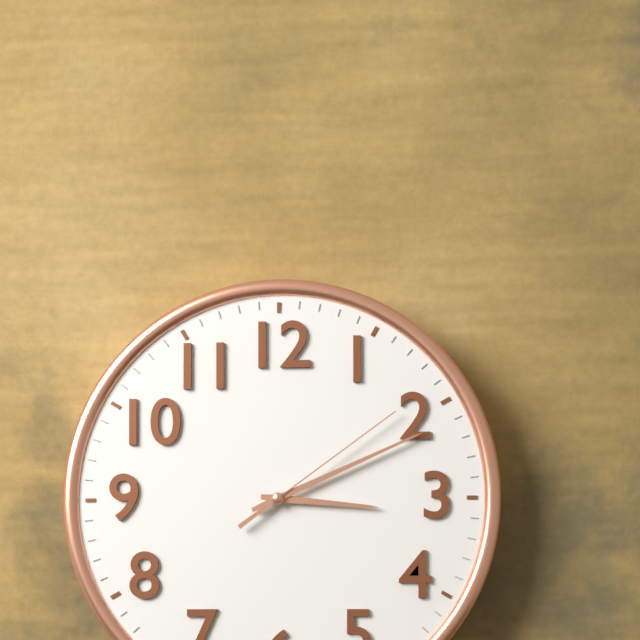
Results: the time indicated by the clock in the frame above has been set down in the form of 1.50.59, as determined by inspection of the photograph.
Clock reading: 3.11.09
